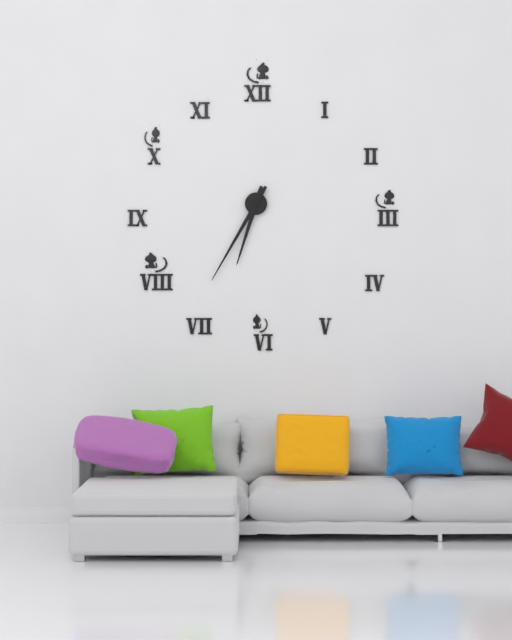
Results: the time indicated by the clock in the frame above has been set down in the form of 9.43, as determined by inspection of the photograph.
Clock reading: 6.35
